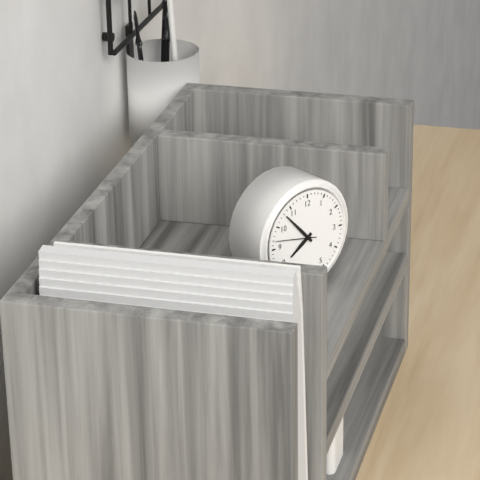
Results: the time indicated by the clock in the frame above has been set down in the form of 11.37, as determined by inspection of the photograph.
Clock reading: 7.53
